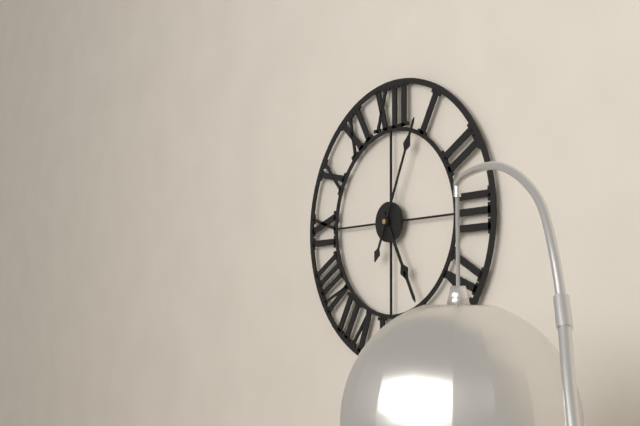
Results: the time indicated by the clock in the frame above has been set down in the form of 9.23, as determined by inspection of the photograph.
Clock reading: 5.04
